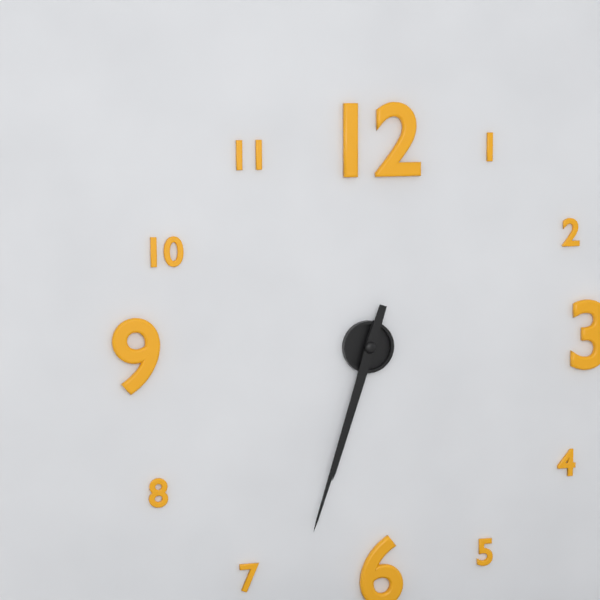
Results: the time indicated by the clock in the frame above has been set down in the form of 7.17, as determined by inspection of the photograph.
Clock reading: 6.33
